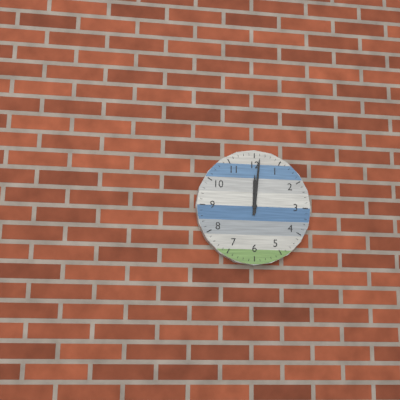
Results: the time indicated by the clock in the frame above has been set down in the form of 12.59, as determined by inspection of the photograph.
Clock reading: 12.01
